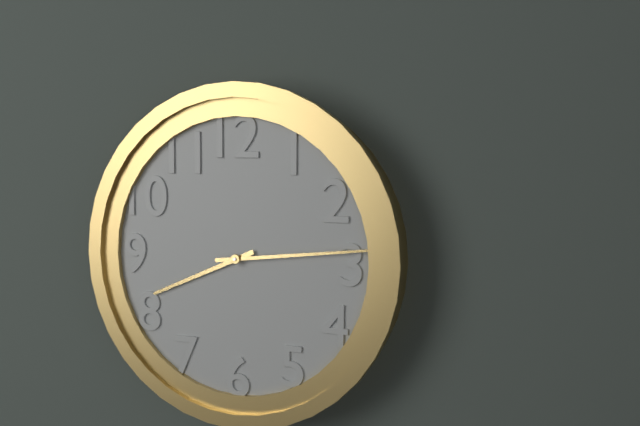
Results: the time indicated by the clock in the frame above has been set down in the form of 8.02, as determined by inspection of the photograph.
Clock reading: 8.14
